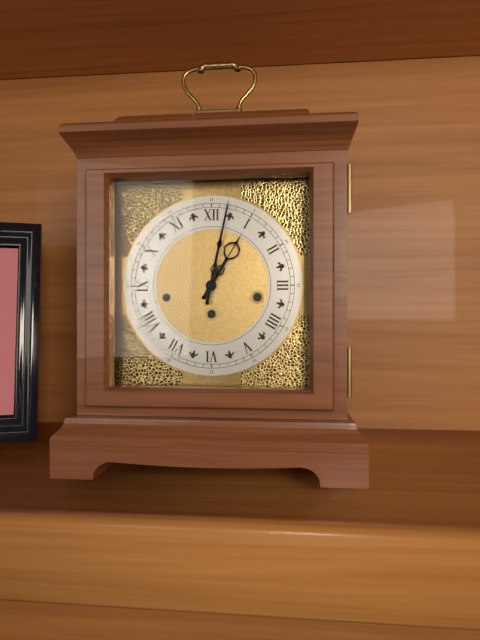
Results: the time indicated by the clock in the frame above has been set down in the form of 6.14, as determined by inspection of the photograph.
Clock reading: 1.02
